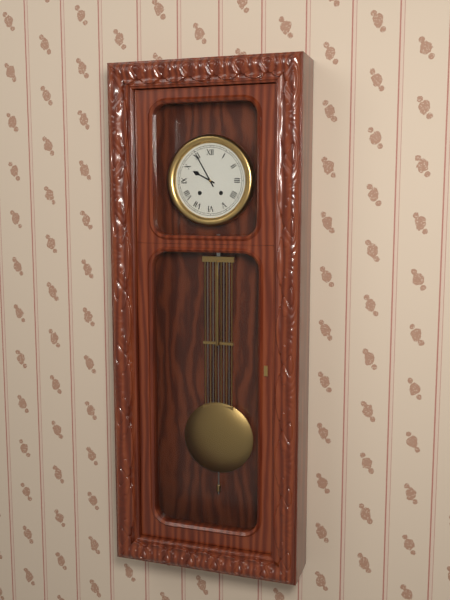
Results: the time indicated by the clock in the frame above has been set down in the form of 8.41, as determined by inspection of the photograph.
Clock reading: 9.55
